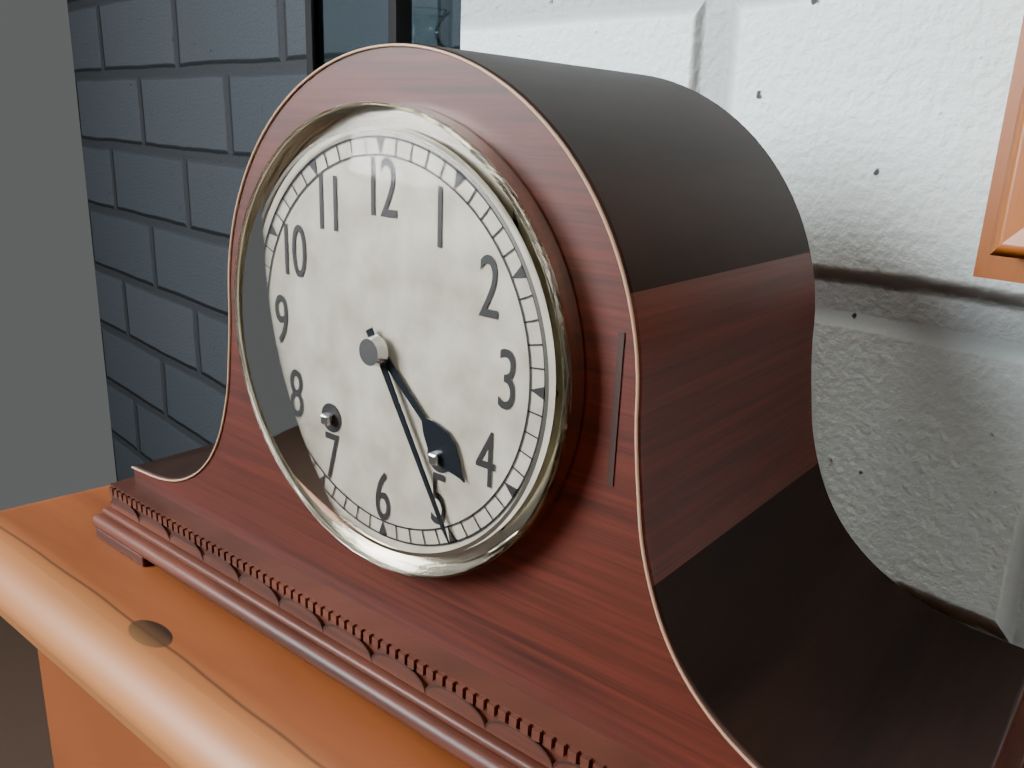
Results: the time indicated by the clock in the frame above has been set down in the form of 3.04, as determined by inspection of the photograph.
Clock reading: 4.25
